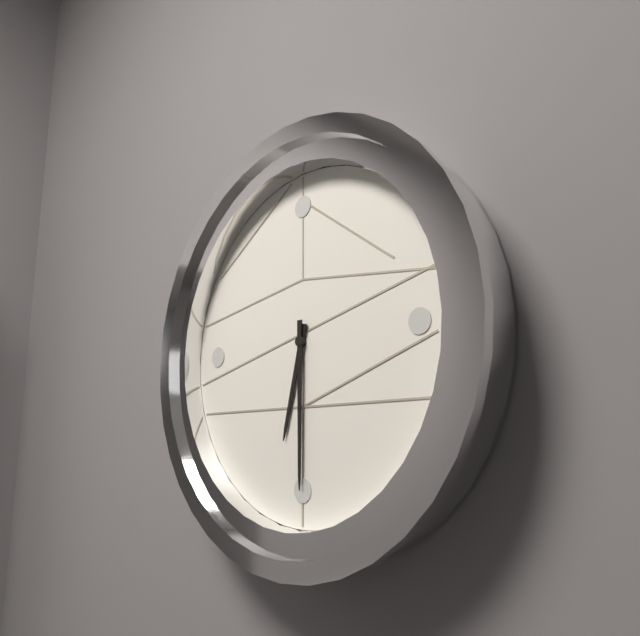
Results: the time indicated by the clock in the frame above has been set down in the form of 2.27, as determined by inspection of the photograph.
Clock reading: 6.30
